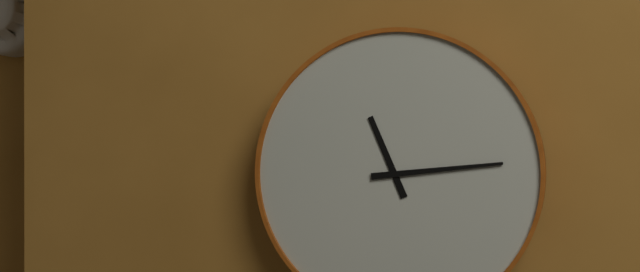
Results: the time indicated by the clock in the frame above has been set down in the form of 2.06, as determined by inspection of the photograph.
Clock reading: 11.14
